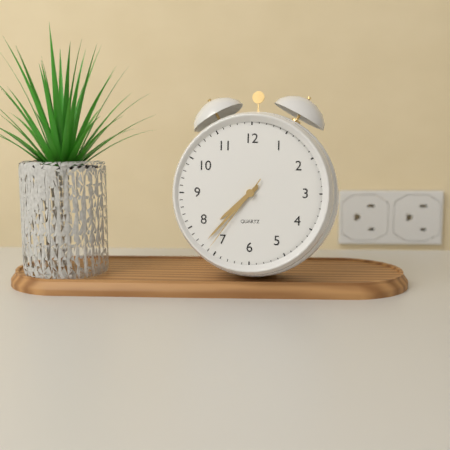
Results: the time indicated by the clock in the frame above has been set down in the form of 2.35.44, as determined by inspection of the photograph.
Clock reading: 7.37.36
